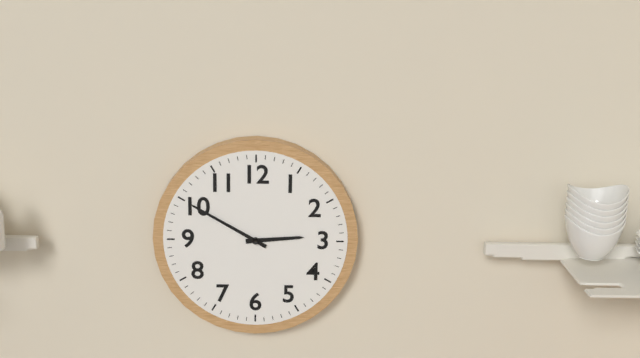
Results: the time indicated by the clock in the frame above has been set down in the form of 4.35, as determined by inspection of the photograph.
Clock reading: 2.50
